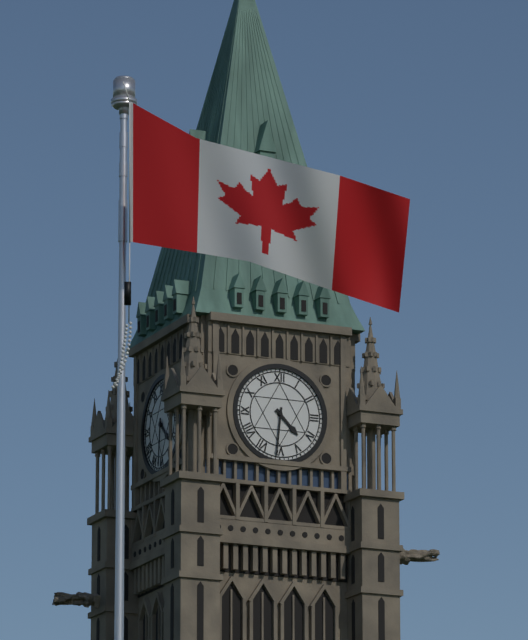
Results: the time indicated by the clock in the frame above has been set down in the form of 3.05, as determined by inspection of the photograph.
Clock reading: 4.31
